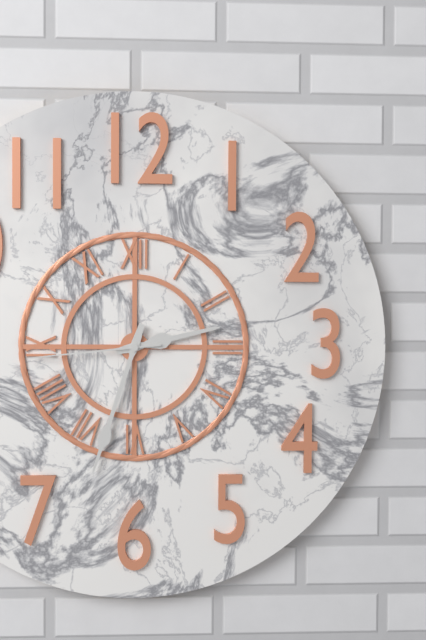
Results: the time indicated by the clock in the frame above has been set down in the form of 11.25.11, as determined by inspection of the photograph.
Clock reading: 2.33.44
